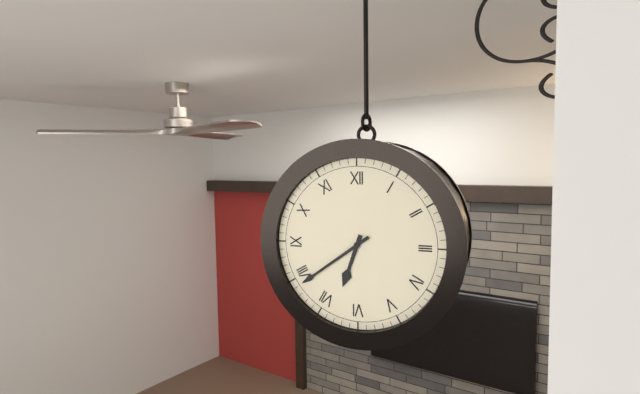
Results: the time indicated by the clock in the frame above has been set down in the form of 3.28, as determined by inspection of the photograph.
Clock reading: 6.39
